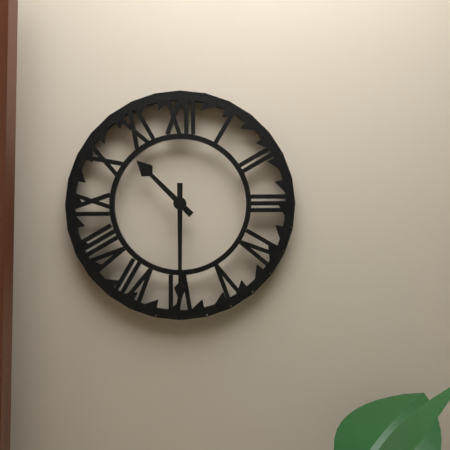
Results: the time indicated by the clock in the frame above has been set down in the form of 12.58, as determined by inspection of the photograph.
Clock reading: 10.30
